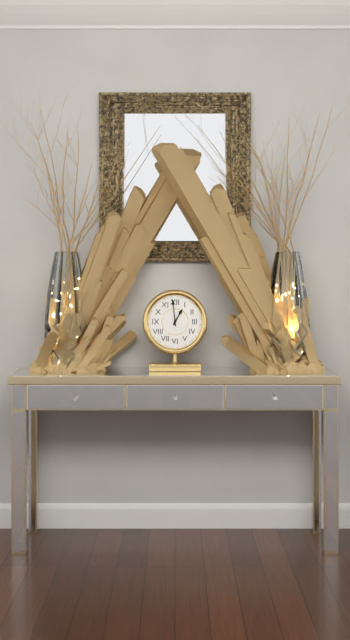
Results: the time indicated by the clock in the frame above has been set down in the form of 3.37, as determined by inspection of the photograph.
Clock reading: 12.59
